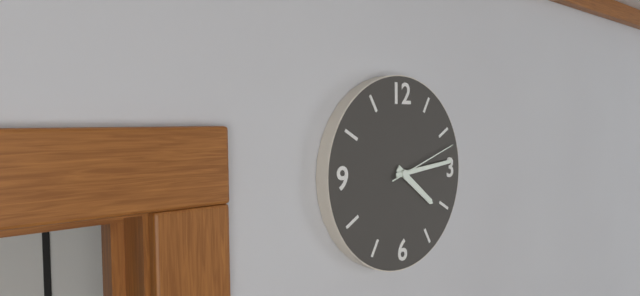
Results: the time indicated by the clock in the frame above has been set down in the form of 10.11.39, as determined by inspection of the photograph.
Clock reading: 4.14.12
